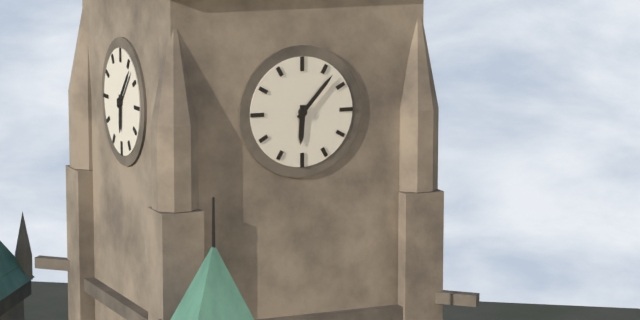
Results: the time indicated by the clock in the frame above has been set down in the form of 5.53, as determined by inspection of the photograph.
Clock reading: 6.07
